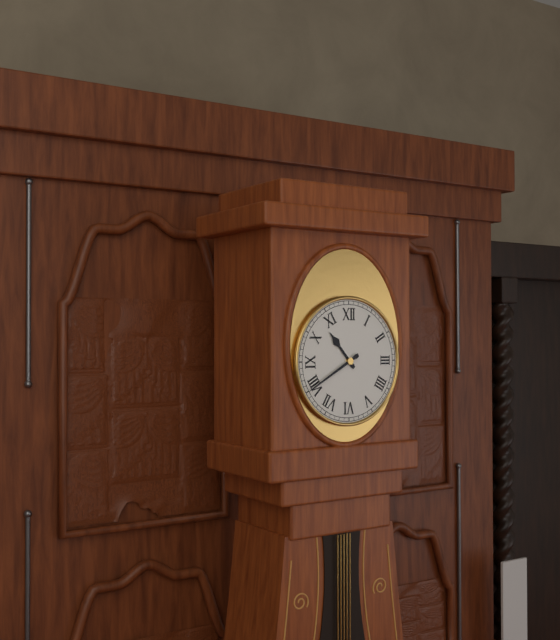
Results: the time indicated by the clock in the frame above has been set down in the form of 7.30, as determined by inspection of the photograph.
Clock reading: 10.40
